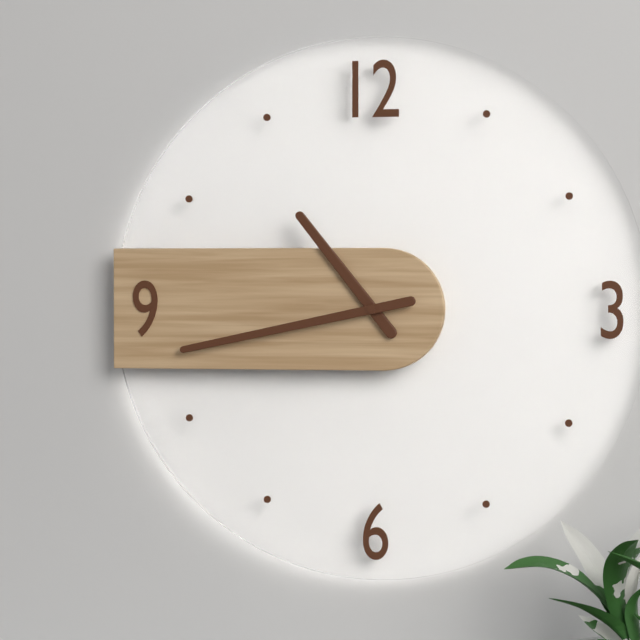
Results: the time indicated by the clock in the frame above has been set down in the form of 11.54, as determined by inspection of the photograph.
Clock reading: 10.43
